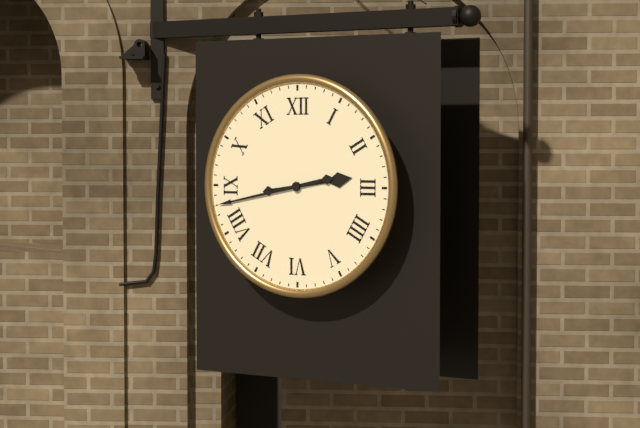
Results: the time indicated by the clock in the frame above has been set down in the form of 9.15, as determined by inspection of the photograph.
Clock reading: 2.43
